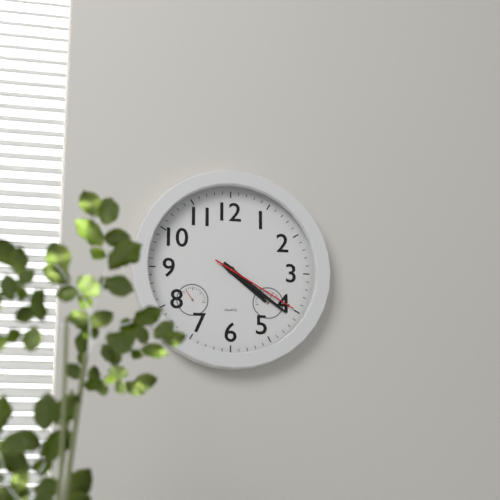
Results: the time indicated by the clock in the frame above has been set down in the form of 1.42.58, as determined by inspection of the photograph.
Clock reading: 4.21.20
